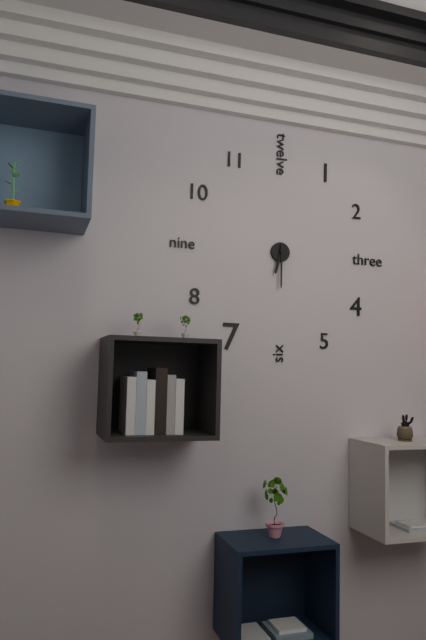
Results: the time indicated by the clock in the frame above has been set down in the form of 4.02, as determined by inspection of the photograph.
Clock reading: 6.30
